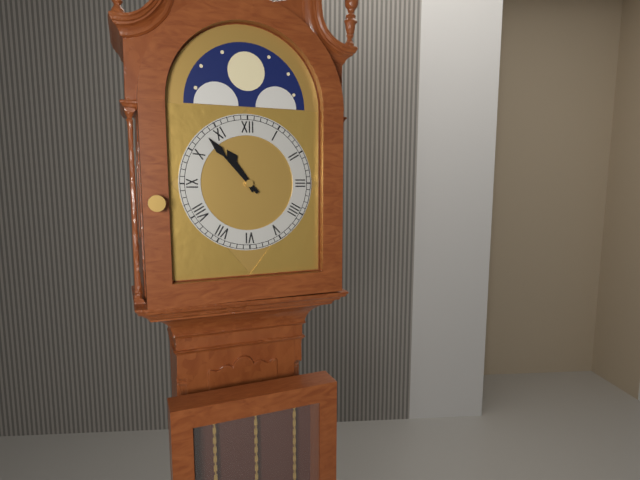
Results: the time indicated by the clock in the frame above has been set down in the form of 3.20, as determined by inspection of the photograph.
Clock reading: 10.53
